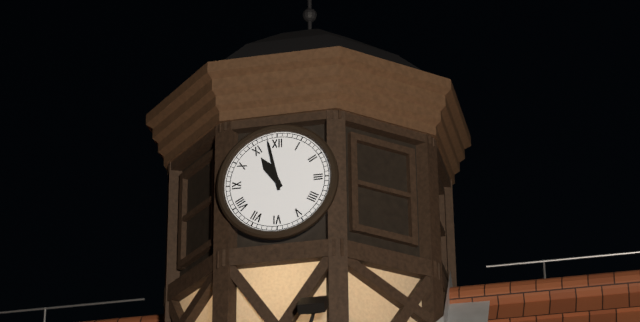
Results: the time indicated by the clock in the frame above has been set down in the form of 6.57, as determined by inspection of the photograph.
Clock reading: 10.58
